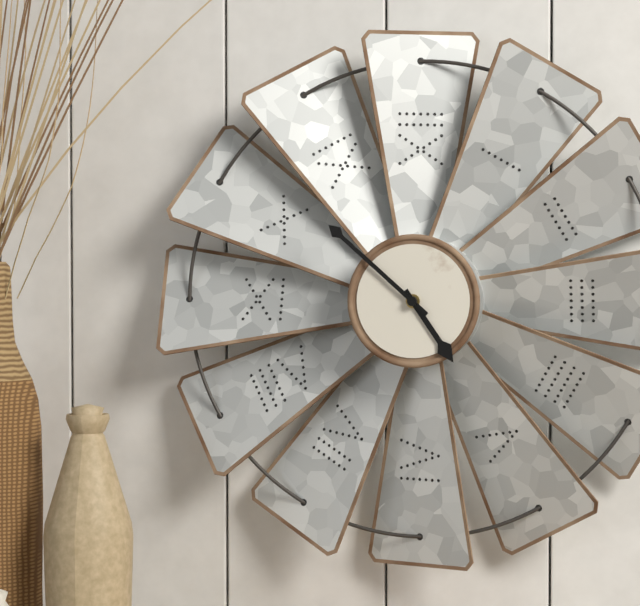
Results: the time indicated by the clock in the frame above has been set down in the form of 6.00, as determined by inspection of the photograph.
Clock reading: 4.52
